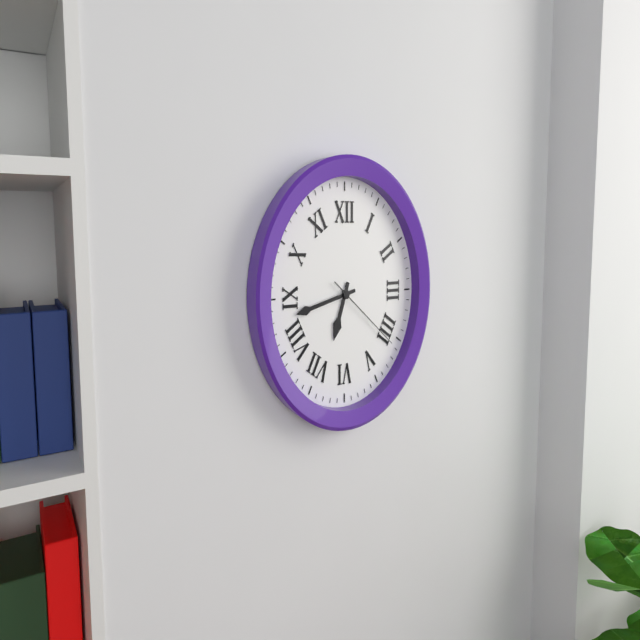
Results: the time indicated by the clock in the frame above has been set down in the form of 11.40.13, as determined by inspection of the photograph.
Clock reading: 6.43.21
